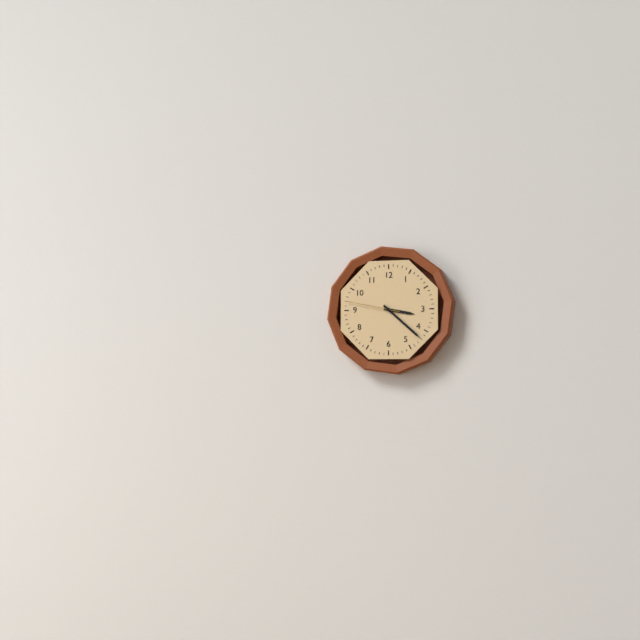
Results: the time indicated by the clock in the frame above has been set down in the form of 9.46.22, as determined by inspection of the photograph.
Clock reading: 3.22.47
